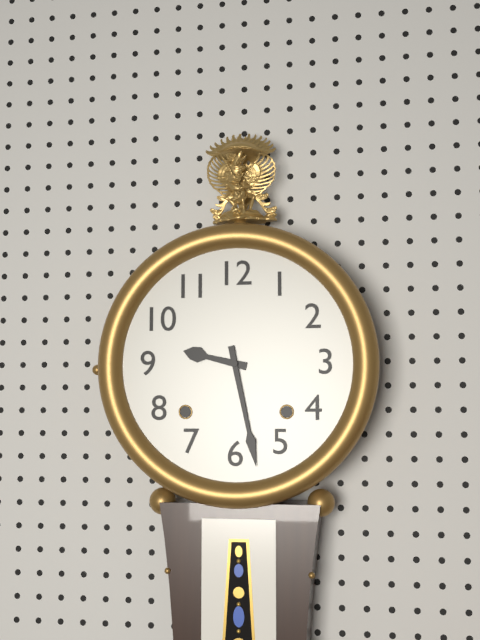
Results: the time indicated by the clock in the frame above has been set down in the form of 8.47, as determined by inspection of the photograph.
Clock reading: 9.28
